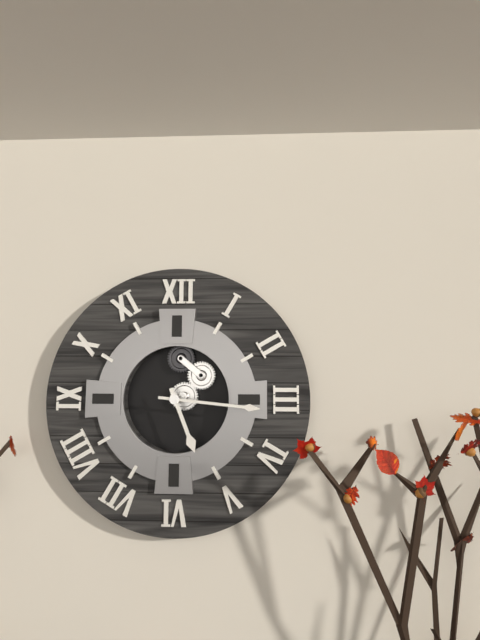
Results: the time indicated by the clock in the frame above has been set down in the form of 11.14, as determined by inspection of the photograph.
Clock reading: 5.16
